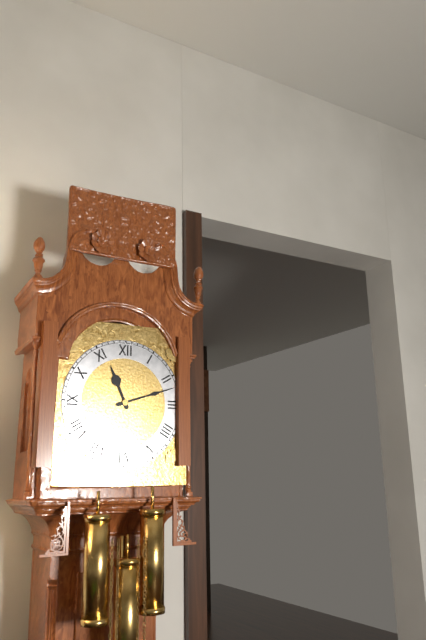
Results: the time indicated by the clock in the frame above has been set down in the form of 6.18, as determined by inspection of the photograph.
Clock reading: 11.12
